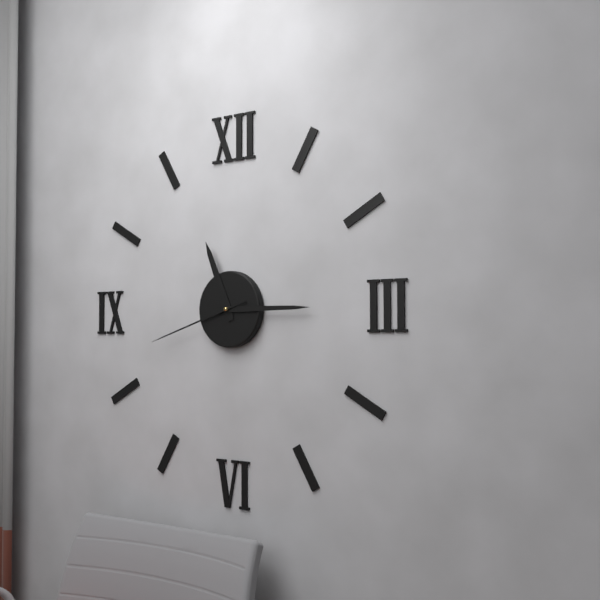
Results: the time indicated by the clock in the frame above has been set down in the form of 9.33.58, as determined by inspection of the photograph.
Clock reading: 11.15.42
